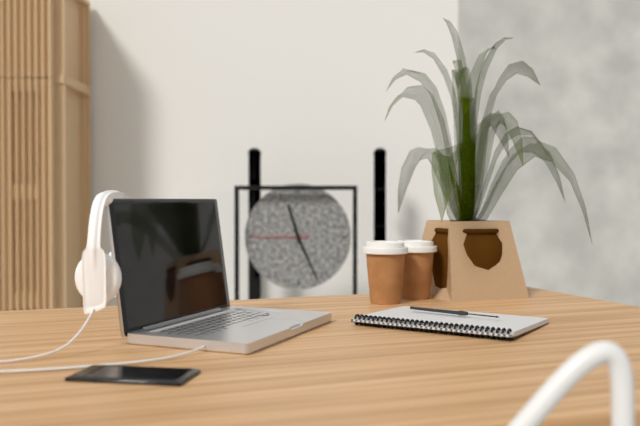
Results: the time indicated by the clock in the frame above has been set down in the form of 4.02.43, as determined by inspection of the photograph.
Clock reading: 11.26.45
